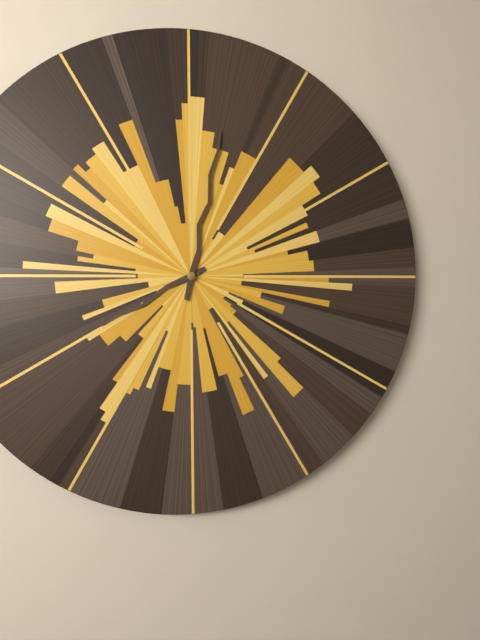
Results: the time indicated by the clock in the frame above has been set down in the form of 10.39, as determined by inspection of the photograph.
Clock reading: 8.02
